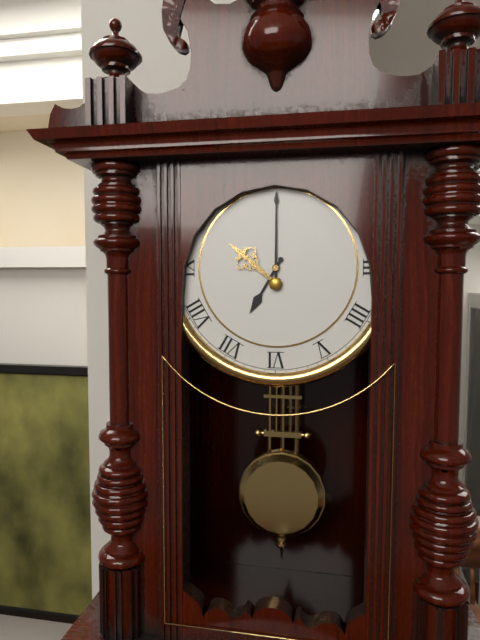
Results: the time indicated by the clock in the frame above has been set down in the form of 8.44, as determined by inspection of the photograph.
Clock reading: 7.00
